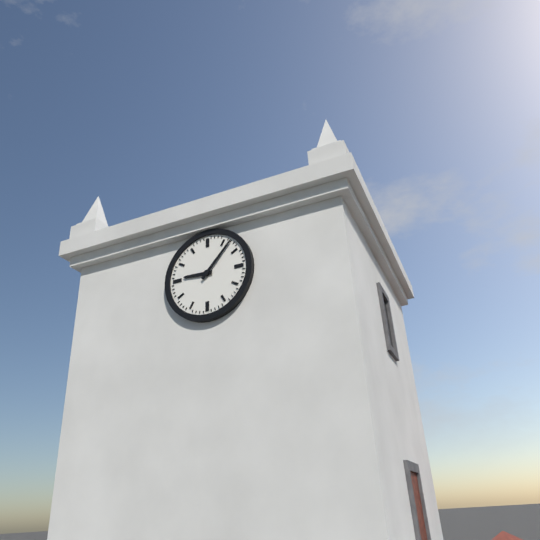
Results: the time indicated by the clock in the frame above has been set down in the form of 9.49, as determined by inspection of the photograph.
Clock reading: 9.07
